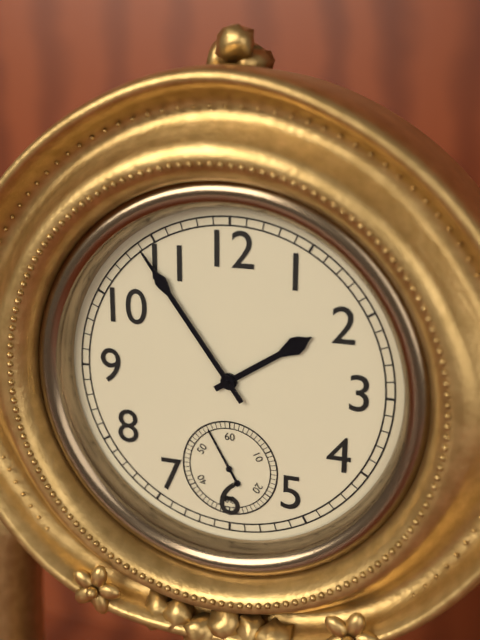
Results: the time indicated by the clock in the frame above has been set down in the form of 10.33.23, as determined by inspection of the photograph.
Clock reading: 1.54.55
